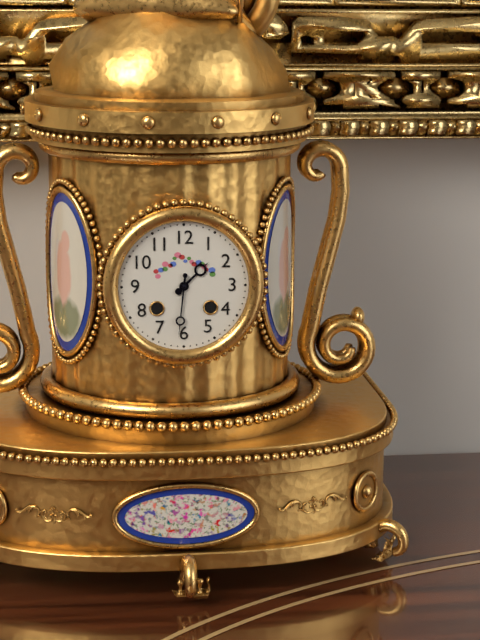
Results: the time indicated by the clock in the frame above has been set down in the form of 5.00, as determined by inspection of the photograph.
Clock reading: 1.31
